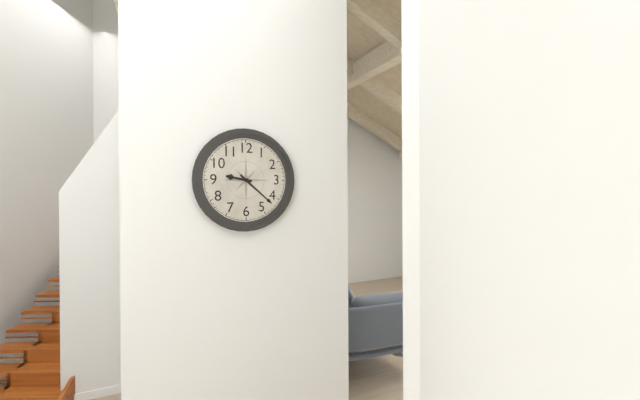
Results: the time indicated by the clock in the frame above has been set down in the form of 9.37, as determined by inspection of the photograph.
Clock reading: 9.22
